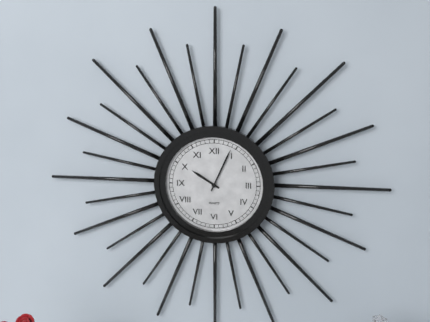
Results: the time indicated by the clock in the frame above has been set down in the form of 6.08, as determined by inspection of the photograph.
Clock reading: 10.04
